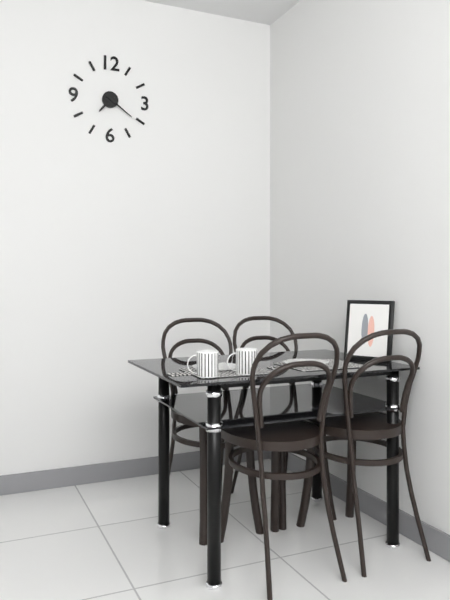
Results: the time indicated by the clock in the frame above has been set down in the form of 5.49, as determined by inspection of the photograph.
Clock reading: 7.21
